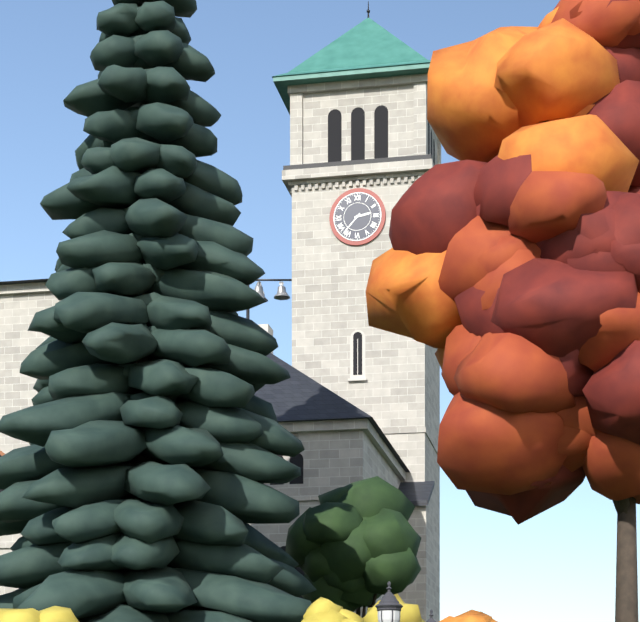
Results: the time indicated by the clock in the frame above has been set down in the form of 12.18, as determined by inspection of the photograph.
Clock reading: 2.37
